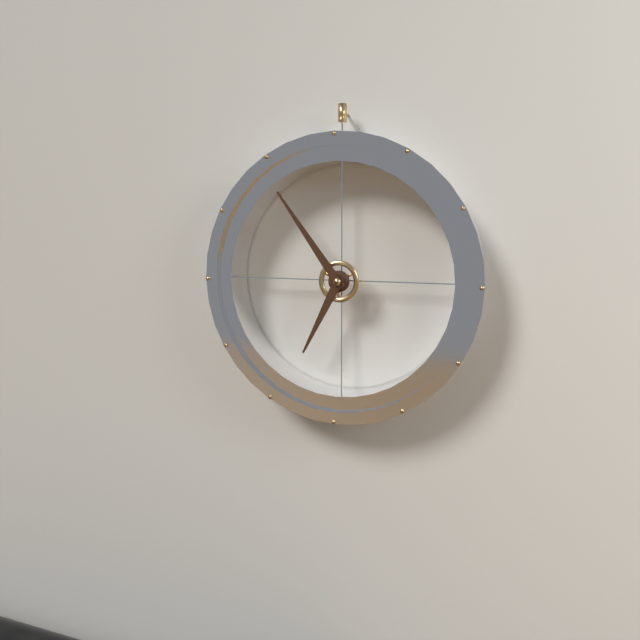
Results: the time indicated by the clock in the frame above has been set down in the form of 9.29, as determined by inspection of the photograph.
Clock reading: 6.54
